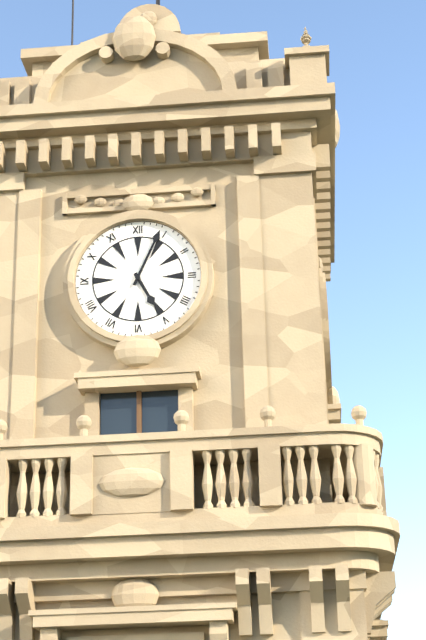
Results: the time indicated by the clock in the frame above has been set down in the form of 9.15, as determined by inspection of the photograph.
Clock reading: 5.04
